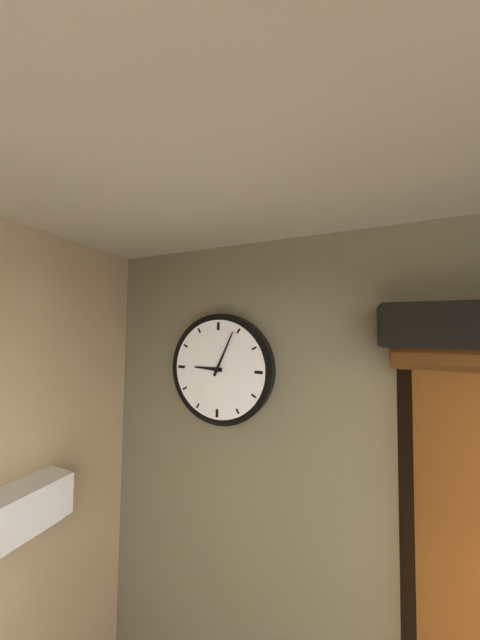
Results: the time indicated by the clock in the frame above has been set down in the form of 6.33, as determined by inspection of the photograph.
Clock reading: 9.04
